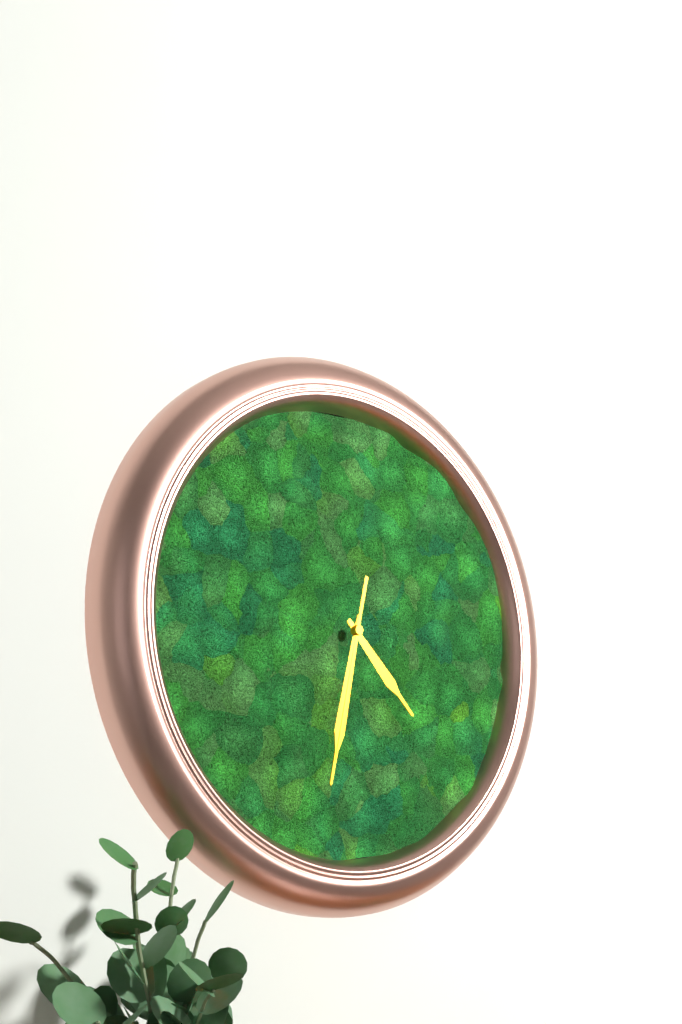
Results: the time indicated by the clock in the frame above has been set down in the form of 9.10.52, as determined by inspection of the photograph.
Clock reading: 4.32.32
